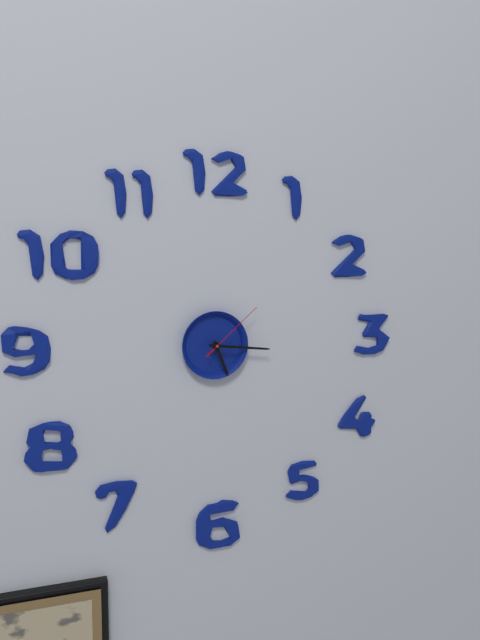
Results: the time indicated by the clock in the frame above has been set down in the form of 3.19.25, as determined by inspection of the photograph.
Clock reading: 5.16.08
